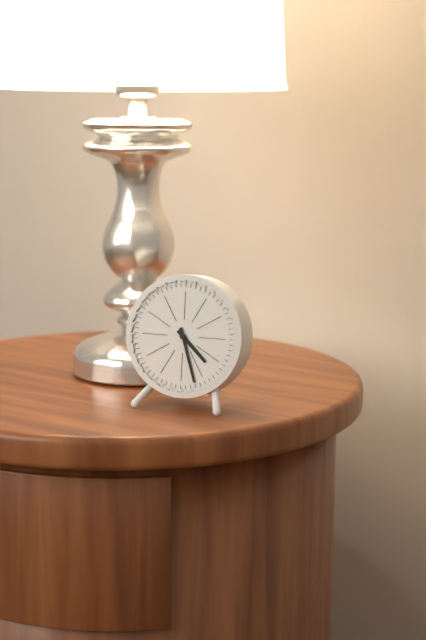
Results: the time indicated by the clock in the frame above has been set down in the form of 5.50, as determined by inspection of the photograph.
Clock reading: 4.27
